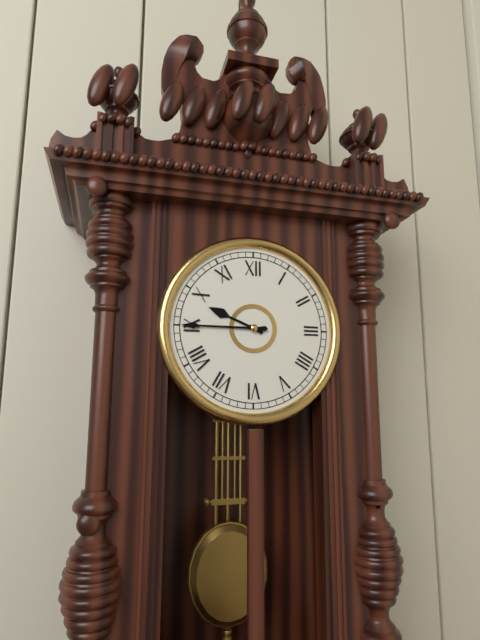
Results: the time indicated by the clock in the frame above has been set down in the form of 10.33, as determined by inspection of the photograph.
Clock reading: 9.45
